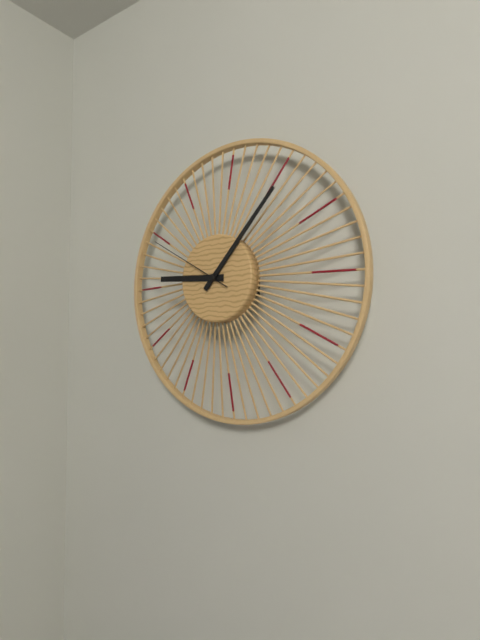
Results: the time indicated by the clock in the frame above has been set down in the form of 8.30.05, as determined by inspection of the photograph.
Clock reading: 9.07.50
